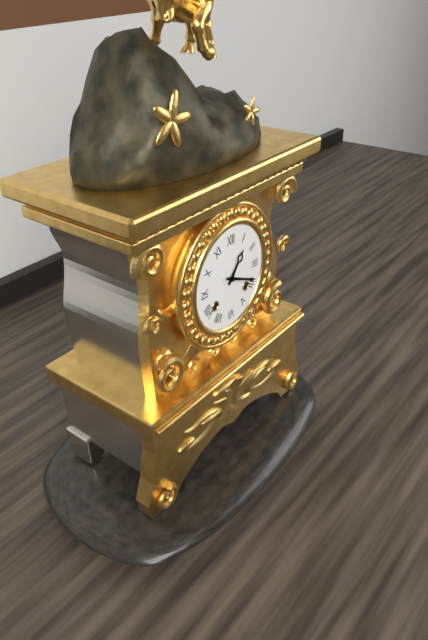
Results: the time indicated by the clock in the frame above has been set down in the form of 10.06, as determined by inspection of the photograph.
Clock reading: 1.19
